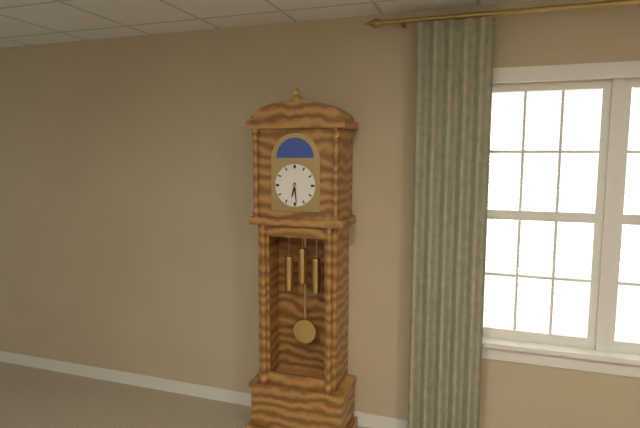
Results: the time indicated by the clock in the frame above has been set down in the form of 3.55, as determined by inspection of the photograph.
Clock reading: 6.29
